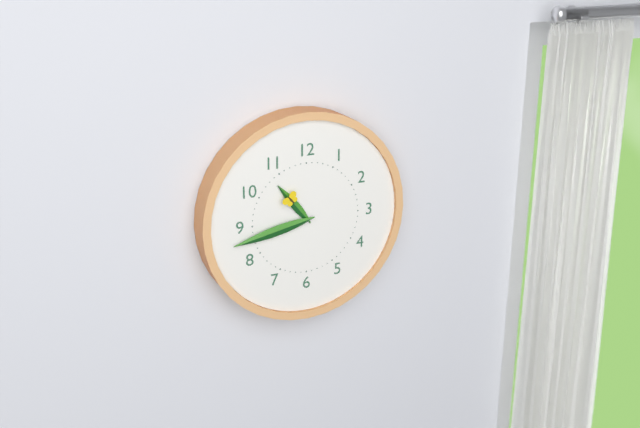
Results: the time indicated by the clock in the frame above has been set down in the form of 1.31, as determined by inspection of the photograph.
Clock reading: 10.43
